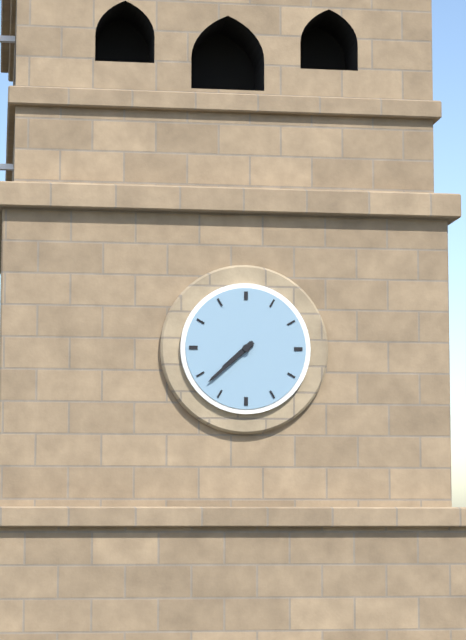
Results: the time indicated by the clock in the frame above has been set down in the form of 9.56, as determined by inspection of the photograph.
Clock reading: 7.38
